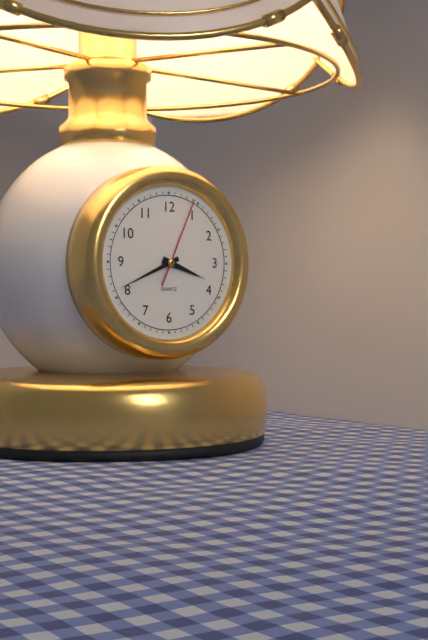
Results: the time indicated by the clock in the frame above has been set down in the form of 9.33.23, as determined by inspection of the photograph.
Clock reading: 3.41.04
